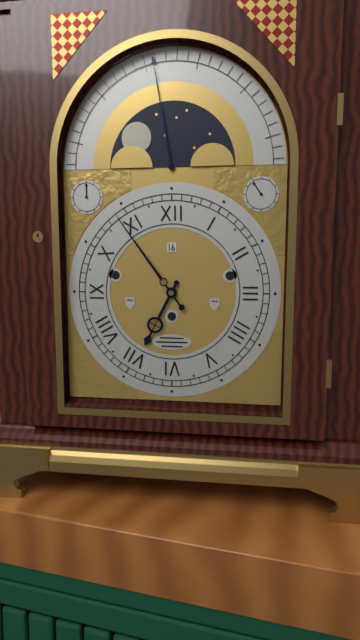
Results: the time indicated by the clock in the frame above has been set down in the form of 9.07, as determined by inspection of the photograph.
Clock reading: 6.54
